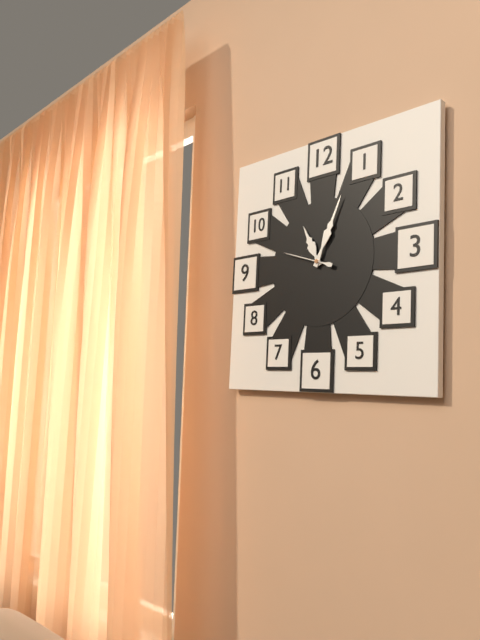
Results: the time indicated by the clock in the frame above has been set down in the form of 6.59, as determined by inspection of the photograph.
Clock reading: 11.04
